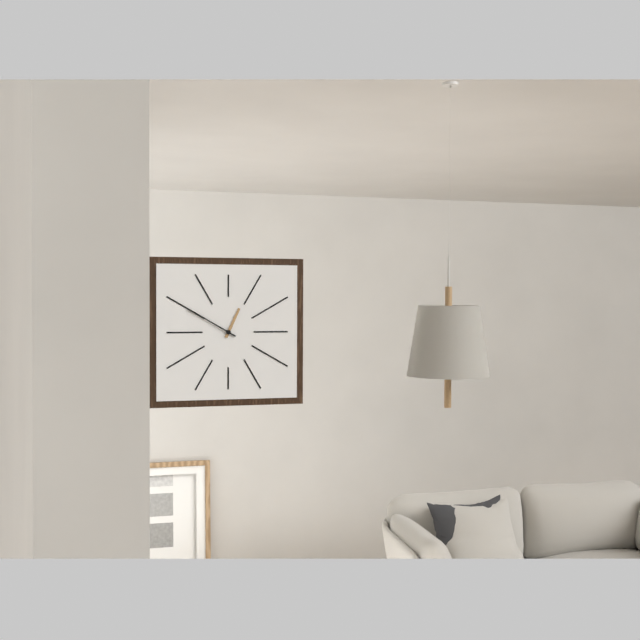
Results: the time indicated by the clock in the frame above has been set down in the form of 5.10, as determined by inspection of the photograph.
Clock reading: 12.50
